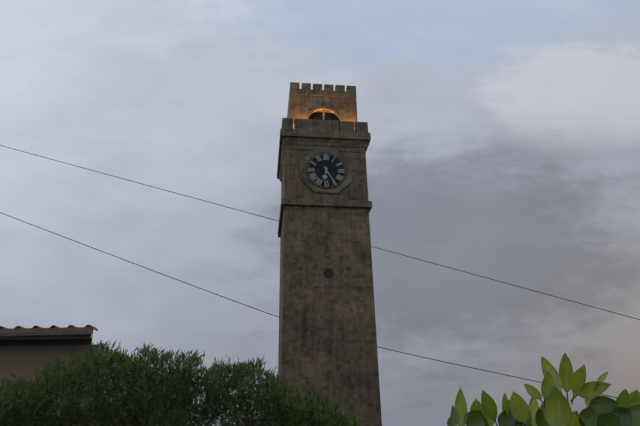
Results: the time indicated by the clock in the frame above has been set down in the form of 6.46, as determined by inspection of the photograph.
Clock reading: 6.25
